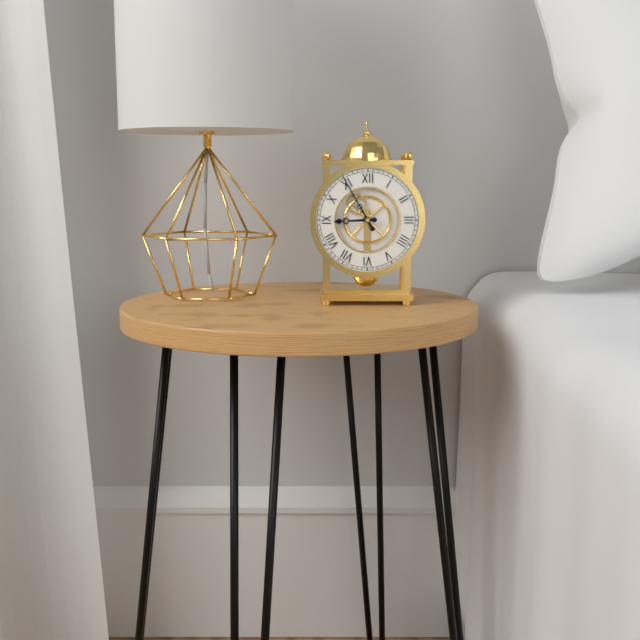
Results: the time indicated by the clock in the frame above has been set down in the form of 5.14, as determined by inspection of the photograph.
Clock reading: 8.55
